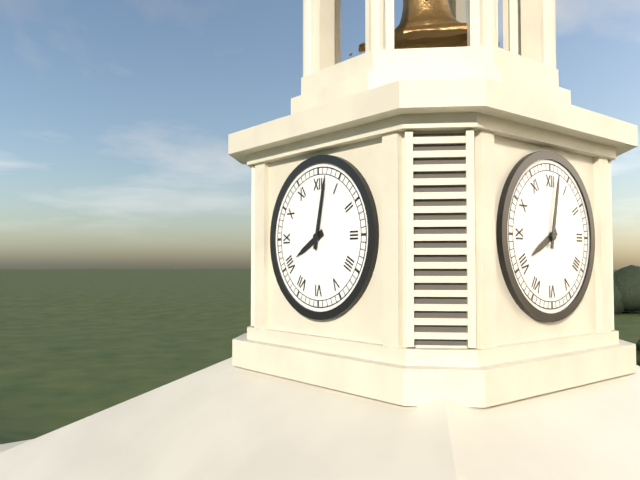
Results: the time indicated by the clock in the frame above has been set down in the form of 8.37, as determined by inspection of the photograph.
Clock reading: 8.02
